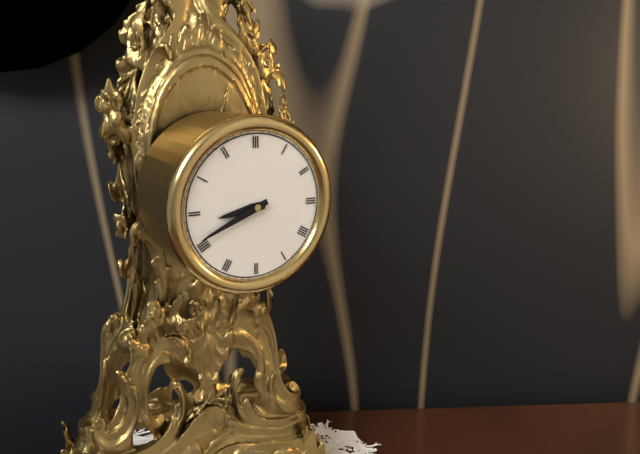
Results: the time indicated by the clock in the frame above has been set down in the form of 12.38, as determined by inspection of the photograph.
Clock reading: 8.41
